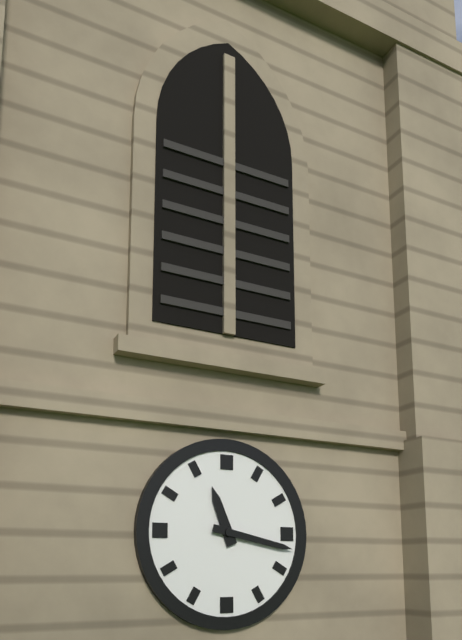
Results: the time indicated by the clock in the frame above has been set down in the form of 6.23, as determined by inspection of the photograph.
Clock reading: 11.17
